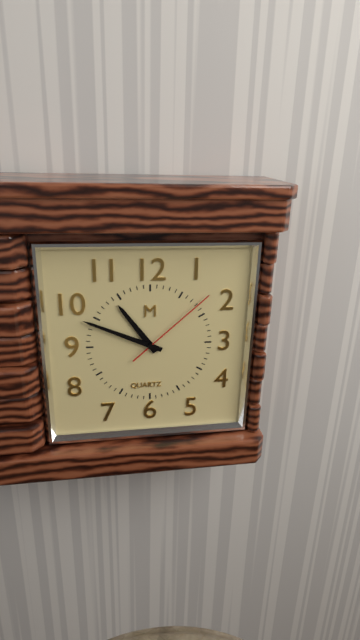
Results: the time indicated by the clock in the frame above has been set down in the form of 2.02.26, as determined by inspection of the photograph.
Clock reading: 10.49.08
